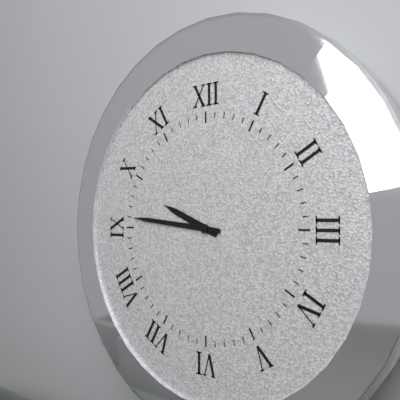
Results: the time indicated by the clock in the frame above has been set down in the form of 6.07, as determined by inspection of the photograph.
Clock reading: 9.46
